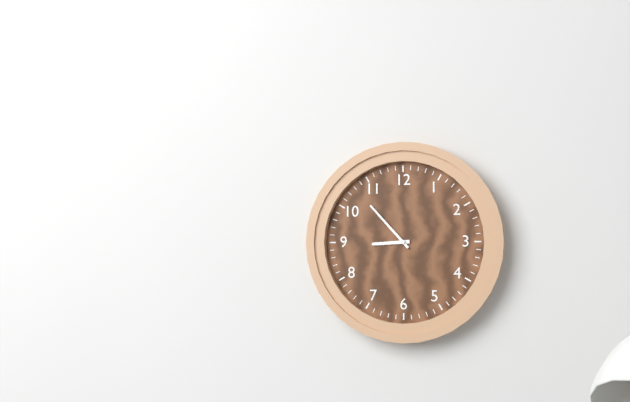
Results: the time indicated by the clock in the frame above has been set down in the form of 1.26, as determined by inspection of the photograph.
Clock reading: 8.53
